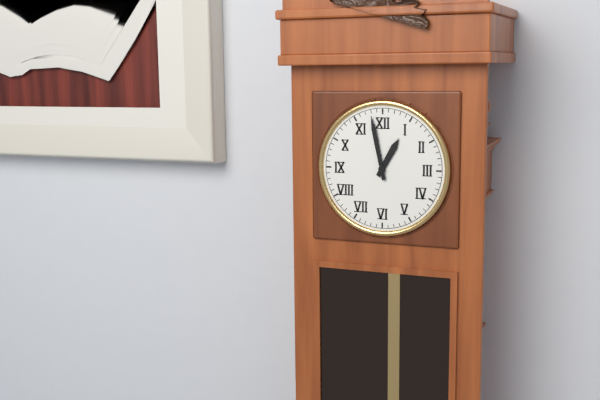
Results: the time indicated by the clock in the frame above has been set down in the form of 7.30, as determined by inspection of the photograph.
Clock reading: 12.58
